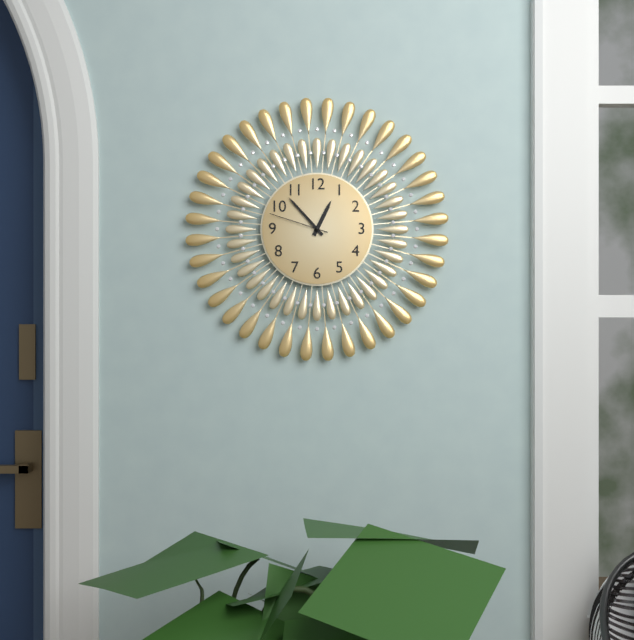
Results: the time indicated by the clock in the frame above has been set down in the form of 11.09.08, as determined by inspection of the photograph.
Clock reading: 12.53.48
